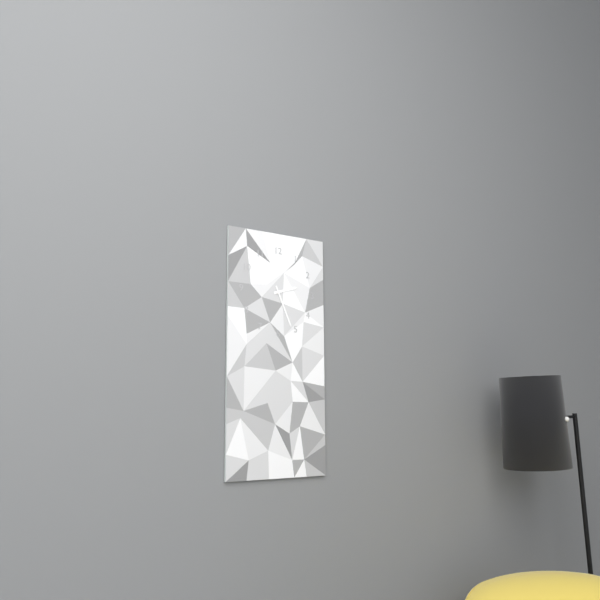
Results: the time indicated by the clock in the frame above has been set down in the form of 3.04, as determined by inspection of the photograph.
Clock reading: 2.26
